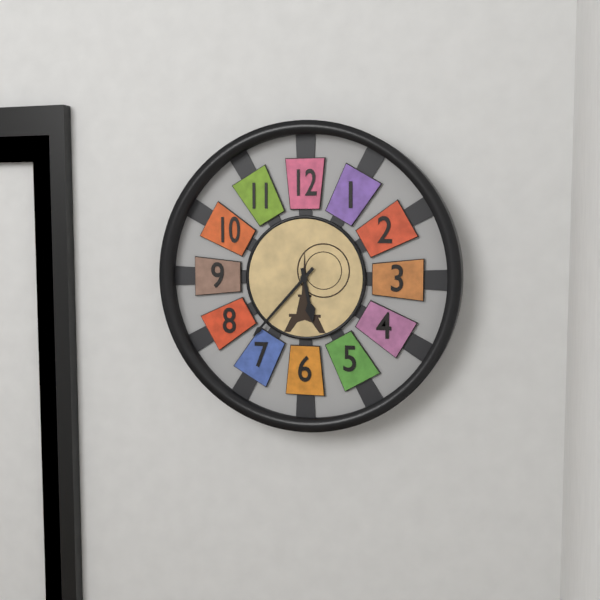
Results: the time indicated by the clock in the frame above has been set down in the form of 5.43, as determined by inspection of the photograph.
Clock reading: 5.37
